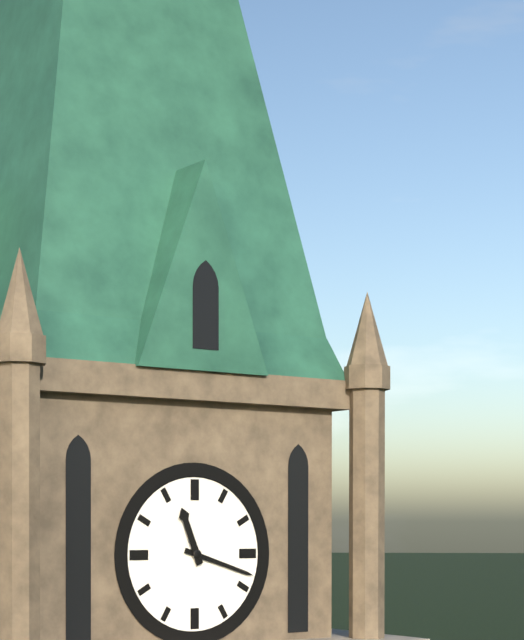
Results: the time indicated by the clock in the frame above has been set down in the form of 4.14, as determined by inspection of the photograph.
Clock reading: 11.18
